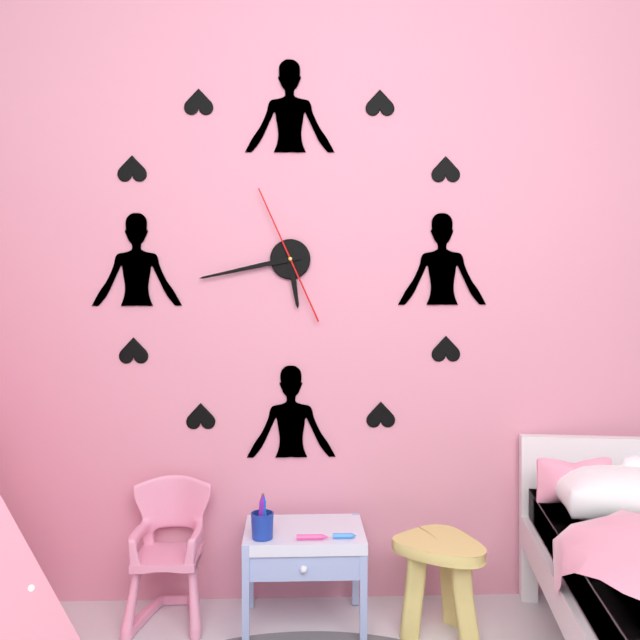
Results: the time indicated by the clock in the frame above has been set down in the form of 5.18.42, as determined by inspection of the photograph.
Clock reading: 5.43.56
